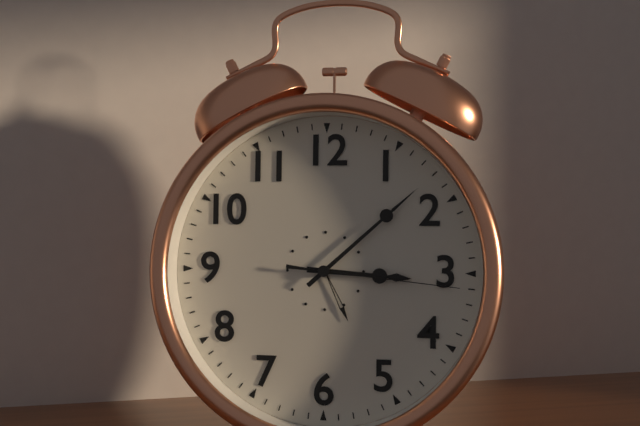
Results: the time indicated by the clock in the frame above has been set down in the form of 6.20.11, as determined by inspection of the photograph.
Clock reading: 3.08.16
